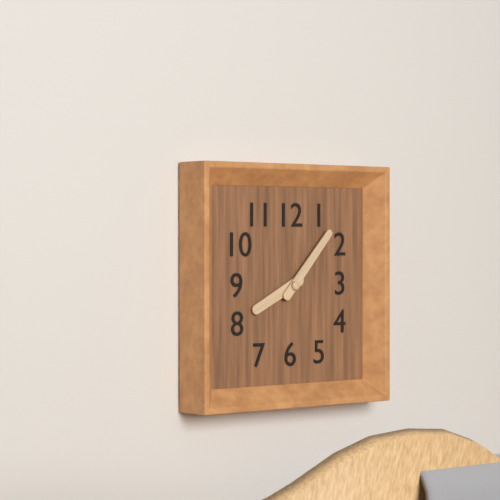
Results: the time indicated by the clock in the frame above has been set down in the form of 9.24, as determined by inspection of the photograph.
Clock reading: 8.07
